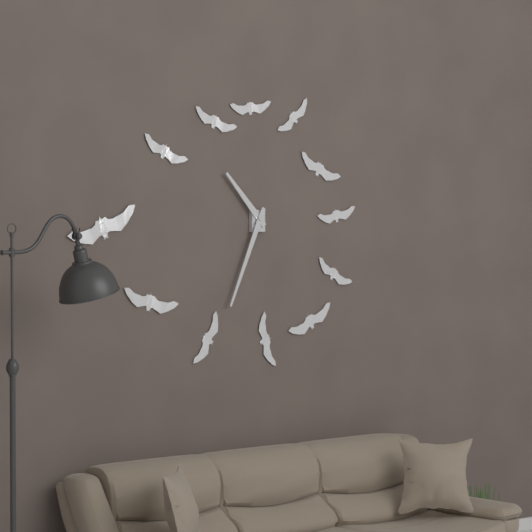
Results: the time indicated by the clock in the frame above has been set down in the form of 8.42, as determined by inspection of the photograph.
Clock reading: 10.34
